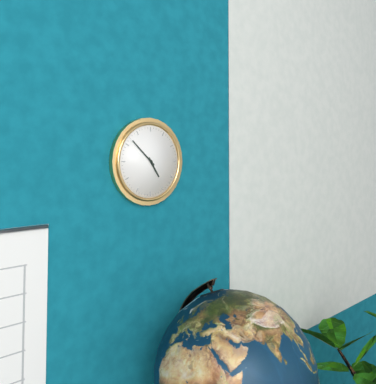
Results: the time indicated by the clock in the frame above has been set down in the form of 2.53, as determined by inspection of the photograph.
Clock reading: 4.52
